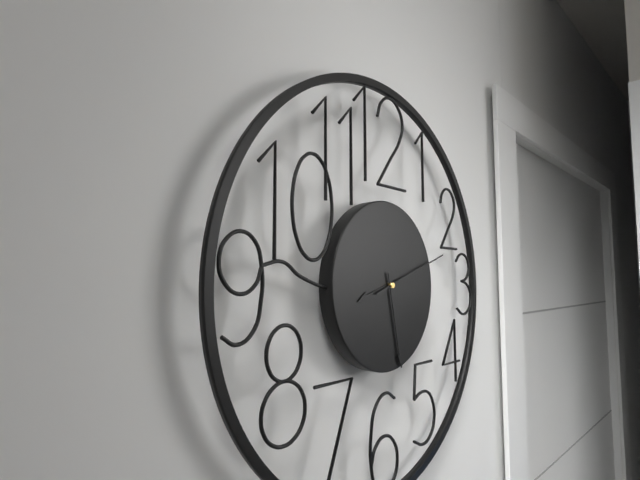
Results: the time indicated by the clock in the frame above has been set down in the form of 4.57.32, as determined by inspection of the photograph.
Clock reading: 8.28.12
